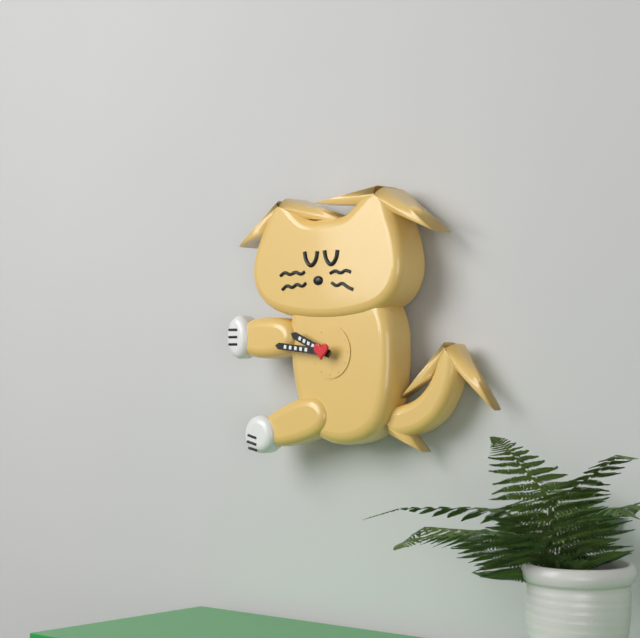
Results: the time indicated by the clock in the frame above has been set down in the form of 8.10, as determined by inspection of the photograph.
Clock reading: 9.46
